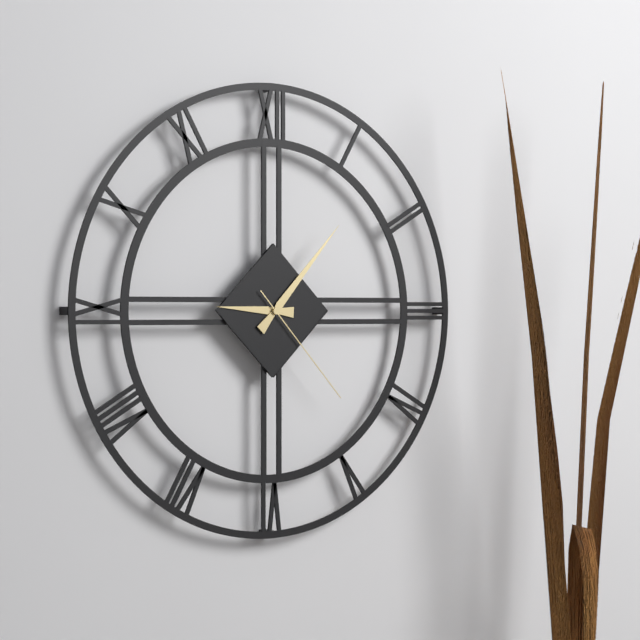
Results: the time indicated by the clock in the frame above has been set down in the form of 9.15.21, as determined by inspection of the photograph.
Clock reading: 9.07.23
